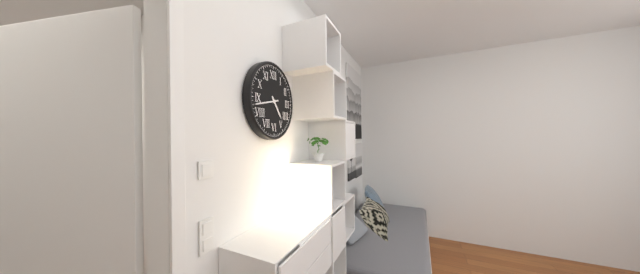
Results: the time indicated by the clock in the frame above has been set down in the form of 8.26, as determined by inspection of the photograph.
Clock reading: 4.43
